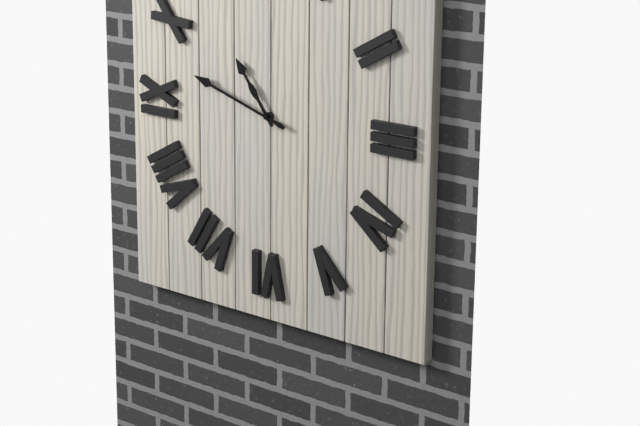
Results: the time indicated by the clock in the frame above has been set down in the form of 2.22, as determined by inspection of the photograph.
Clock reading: 10.48
